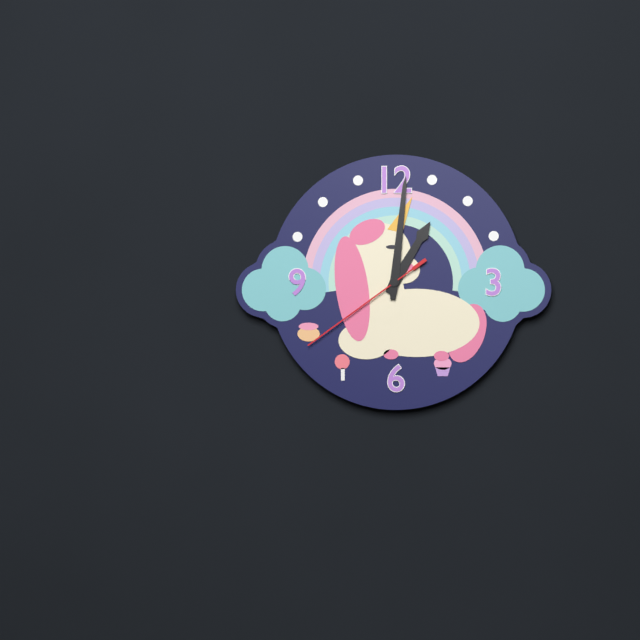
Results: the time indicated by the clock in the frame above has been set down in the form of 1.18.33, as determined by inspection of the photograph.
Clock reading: 1.01.39
